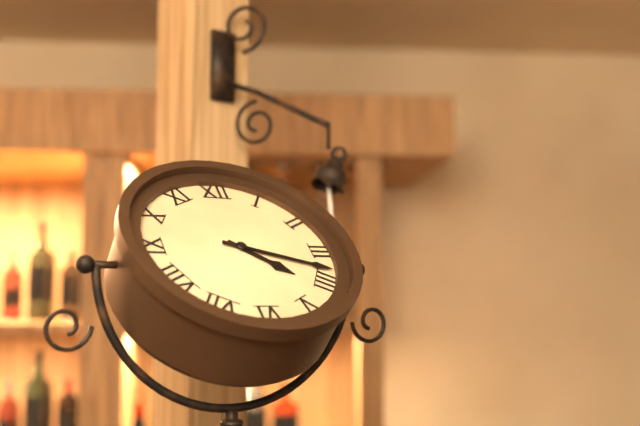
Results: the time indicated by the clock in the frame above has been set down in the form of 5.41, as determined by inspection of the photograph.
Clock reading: 4.18
